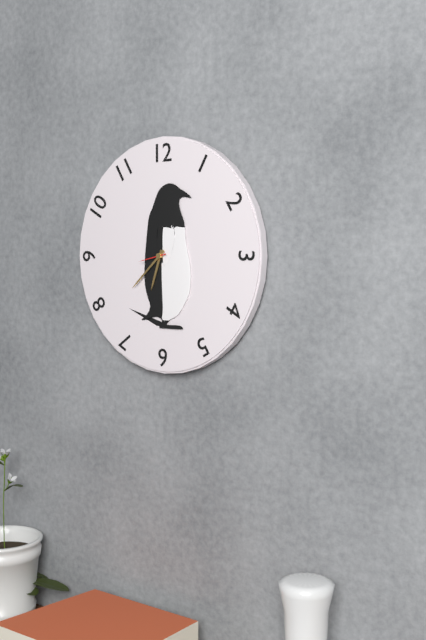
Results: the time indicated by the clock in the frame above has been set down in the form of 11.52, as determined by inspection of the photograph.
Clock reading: 6.38
